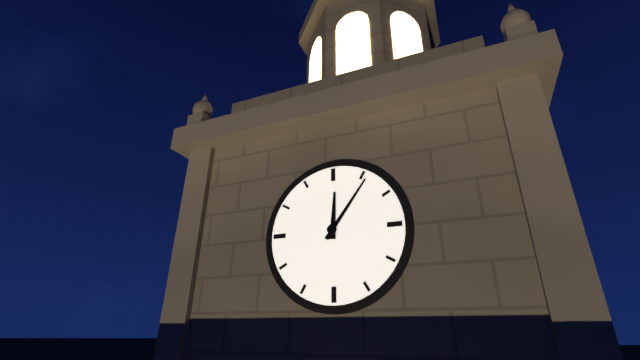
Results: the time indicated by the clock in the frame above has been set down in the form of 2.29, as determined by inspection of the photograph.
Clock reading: 12.06
